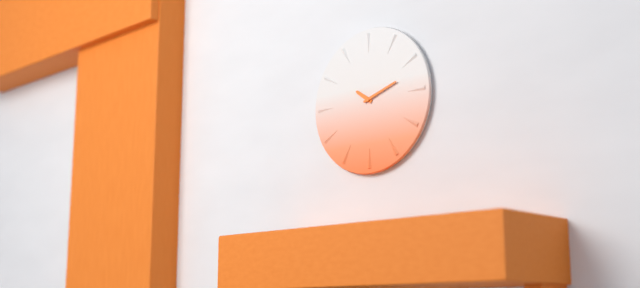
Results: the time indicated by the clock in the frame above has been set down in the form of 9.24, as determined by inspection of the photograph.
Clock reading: 10.12
